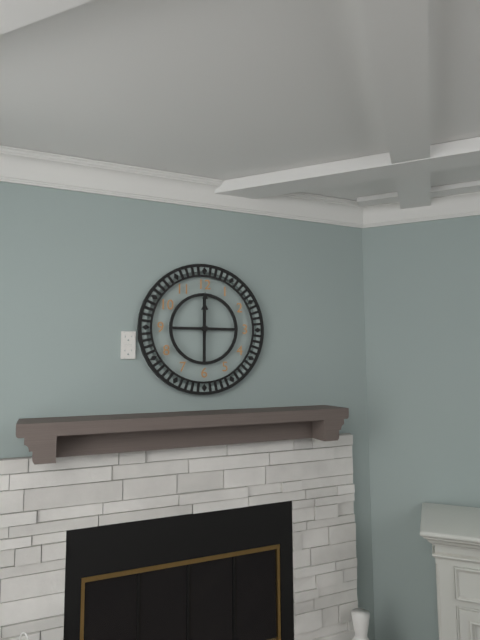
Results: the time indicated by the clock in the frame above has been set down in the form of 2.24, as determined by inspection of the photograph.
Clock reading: 12.00
